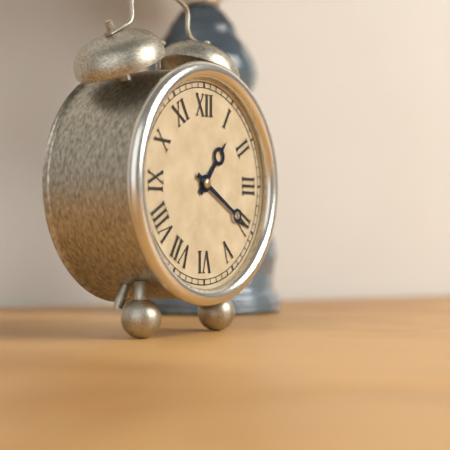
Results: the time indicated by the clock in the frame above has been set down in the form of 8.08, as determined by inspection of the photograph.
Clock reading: 1.20
